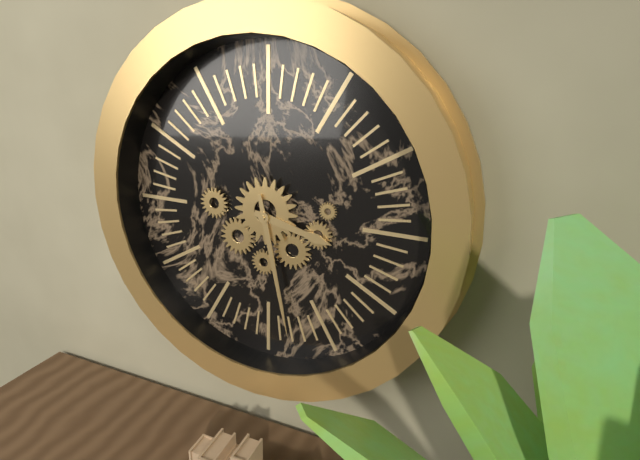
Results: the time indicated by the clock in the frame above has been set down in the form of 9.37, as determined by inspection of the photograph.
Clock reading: 3.28
